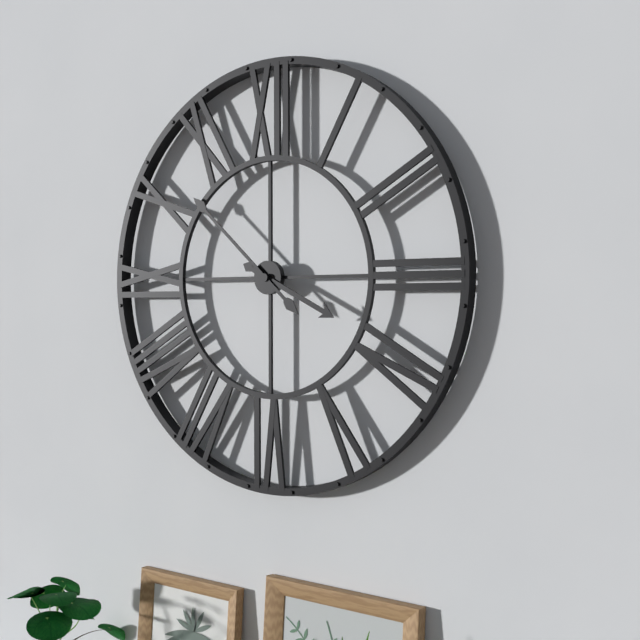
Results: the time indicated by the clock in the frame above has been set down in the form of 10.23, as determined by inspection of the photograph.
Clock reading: 3.52
